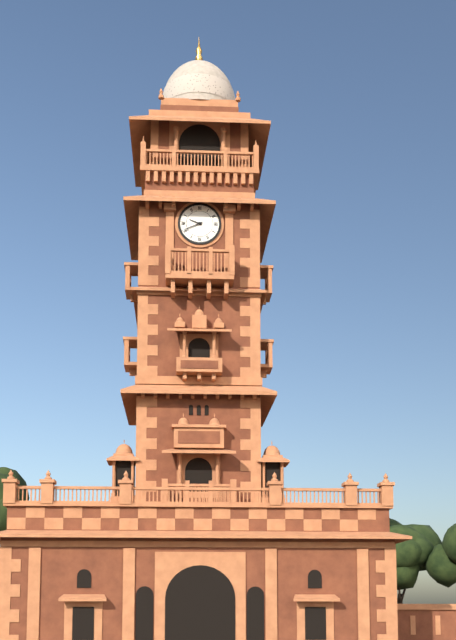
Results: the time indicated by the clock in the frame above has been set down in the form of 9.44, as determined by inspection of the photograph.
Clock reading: 9.41
